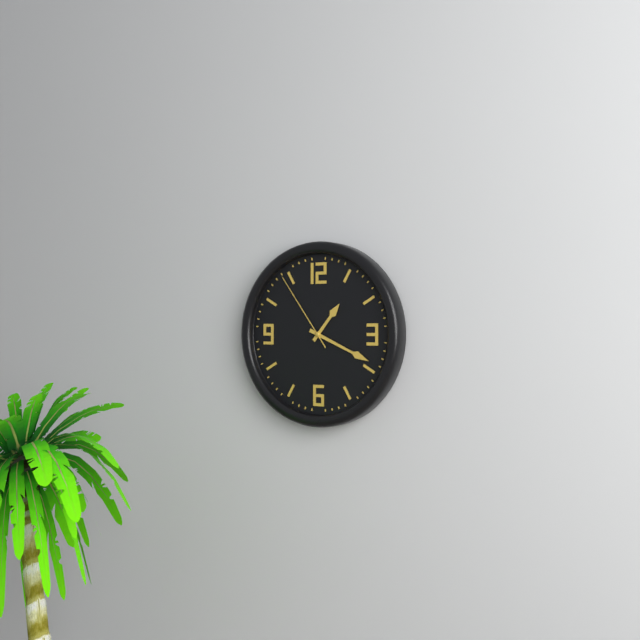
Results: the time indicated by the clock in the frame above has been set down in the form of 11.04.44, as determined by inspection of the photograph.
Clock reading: 1.19.54
